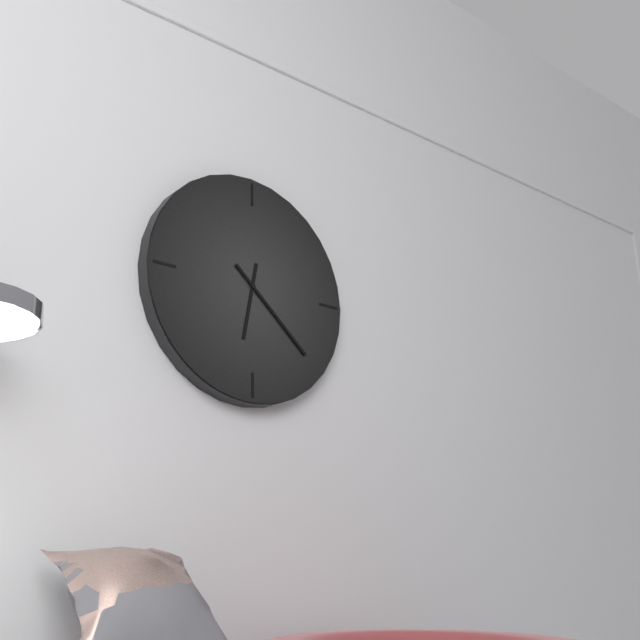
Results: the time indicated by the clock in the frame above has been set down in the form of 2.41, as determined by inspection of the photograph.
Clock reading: 6.22
